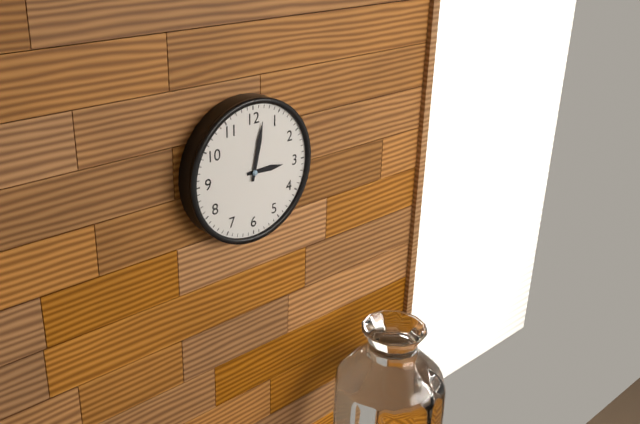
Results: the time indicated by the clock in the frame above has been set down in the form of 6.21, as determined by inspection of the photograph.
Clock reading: 3.02
